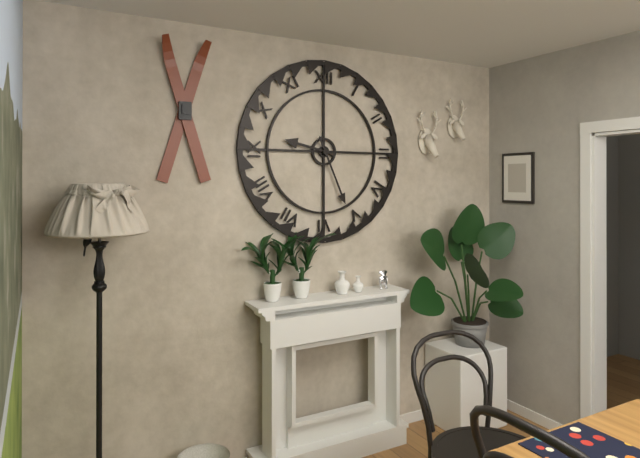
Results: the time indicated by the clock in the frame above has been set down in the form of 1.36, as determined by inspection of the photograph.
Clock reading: 9.26
